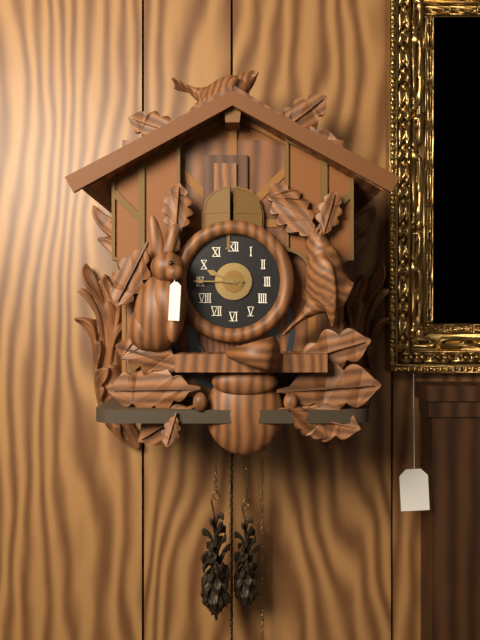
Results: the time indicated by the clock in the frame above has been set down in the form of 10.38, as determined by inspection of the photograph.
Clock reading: 9.45
